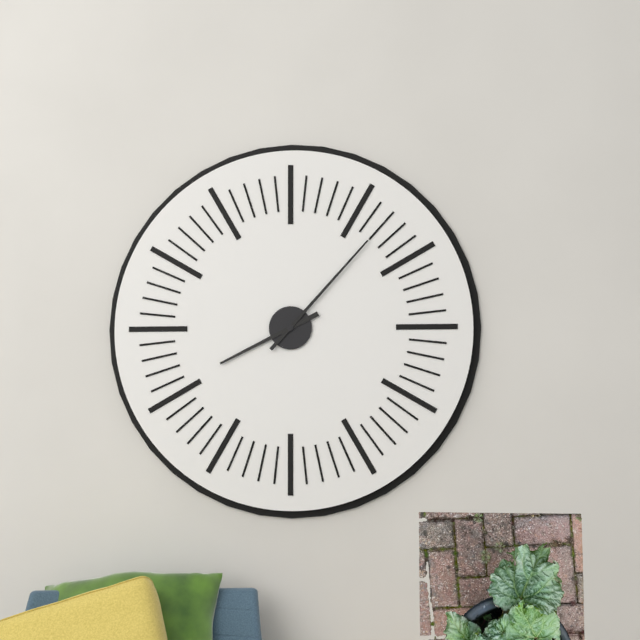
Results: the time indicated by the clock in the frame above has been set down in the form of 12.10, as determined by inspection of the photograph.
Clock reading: 8.07
